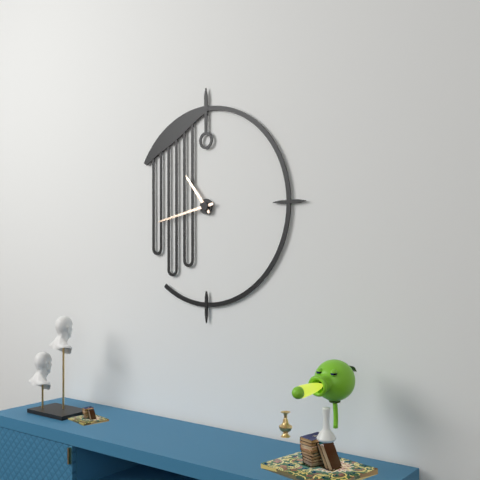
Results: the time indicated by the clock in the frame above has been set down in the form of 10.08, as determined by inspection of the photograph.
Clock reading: 10.43
